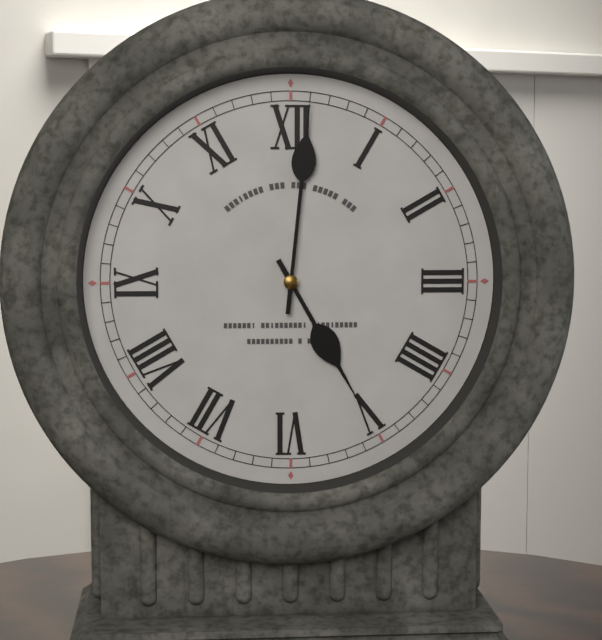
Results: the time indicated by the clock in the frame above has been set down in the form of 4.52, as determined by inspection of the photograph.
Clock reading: 5.01
